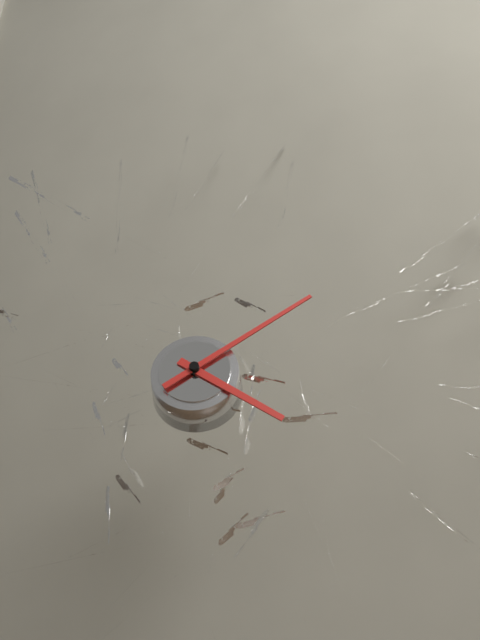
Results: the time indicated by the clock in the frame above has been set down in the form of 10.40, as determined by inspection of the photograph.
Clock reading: 4.09
